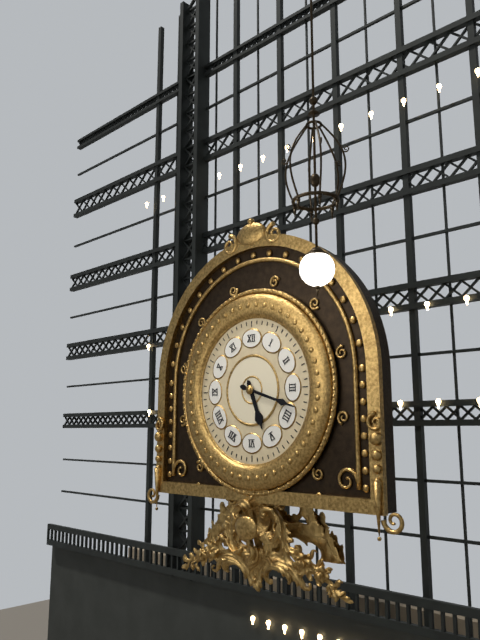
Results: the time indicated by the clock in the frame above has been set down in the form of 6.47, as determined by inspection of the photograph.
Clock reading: 5.18
